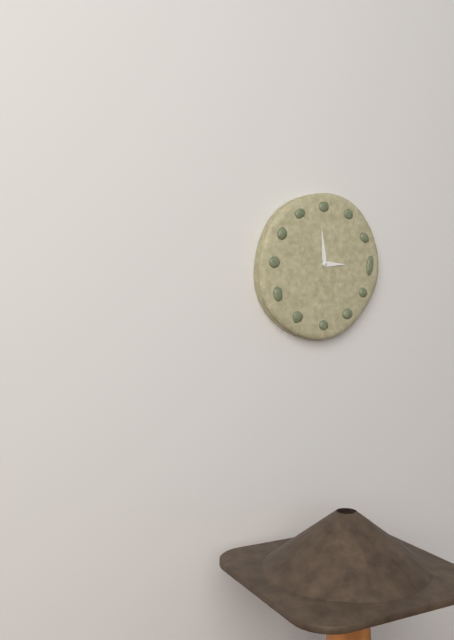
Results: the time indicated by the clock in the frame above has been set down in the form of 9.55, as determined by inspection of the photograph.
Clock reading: 2.59
